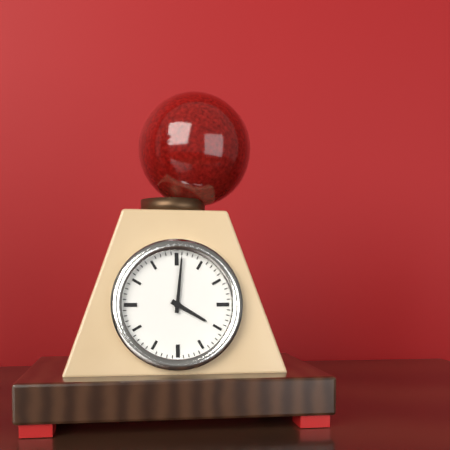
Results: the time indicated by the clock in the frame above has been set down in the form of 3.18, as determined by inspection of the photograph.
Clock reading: 4.01
